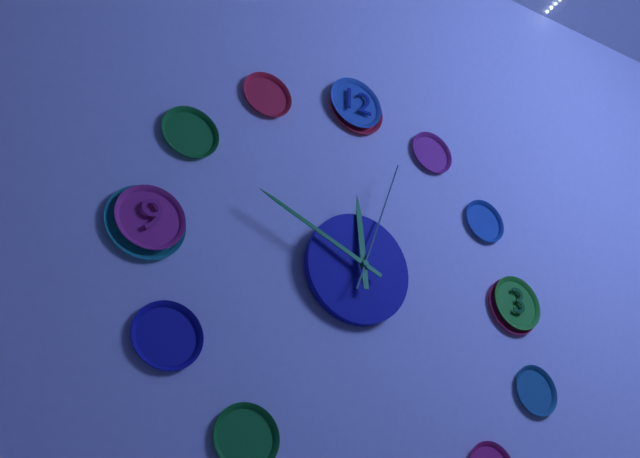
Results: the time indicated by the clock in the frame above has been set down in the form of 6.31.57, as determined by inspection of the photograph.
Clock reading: 11.49.03
